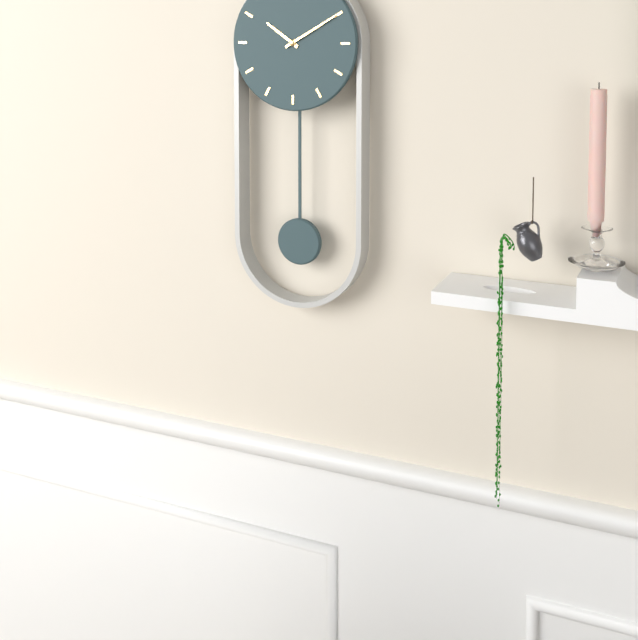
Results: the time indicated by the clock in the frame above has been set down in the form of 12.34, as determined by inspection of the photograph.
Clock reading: 10.10
